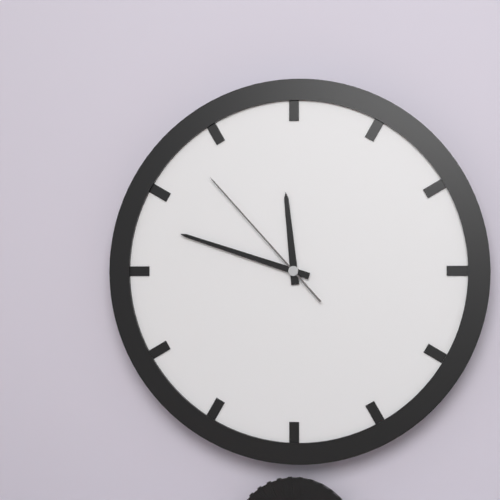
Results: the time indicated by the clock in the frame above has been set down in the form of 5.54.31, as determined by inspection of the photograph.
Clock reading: 11.48.53
